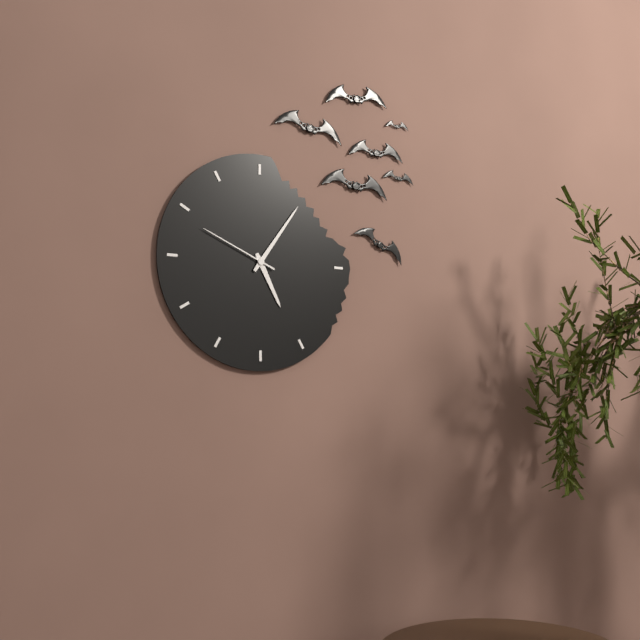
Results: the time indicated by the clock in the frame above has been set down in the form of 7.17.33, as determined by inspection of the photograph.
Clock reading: 5.06.49
